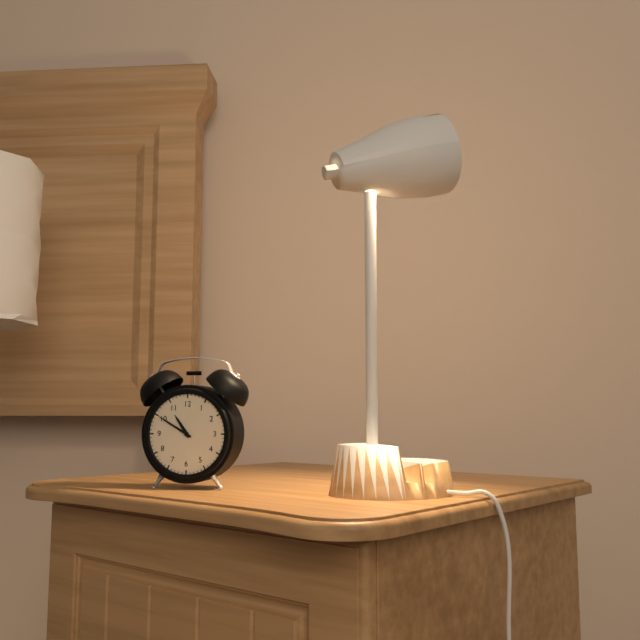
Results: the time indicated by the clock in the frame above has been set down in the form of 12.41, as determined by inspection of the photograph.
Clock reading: 10.50
